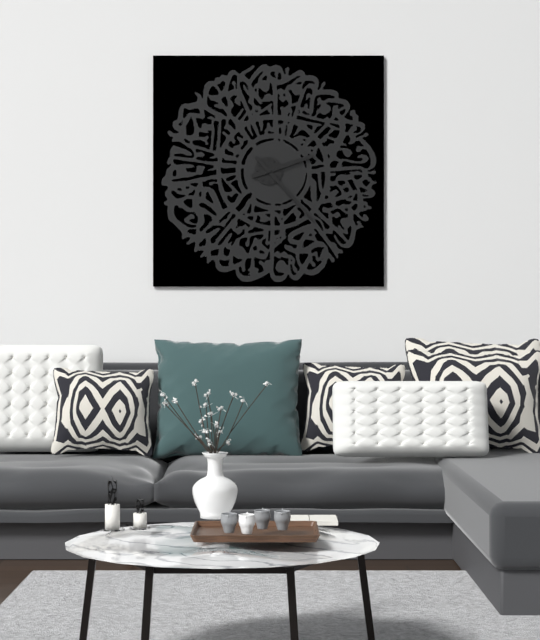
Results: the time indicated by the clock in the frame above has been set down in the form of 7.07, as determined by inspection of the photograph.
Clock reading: 2.23
